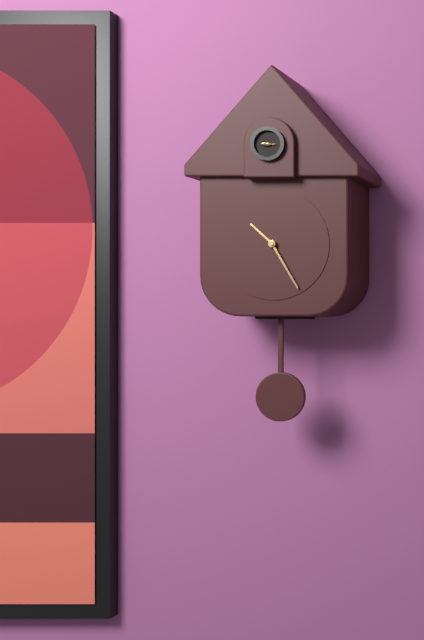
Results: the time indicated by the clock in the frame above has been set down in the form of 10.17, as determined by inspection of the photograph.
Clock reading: 10.25
